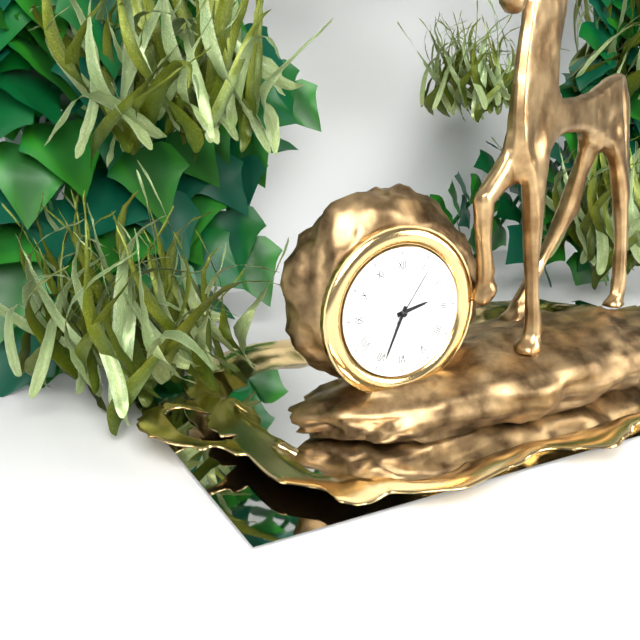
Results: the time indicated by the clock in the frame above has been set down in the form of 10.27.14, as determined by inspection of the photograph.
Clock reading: 2.34.06
